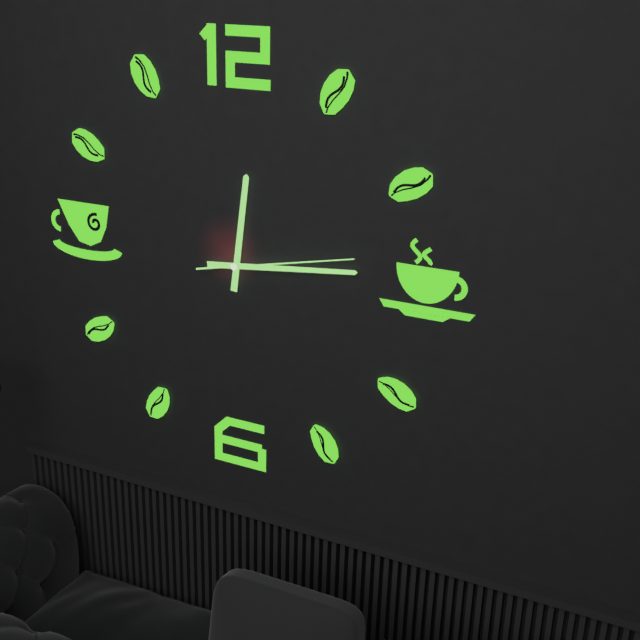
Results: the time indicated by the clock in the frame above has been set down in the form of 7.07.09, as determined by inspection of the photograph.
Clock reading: 12.14.13
